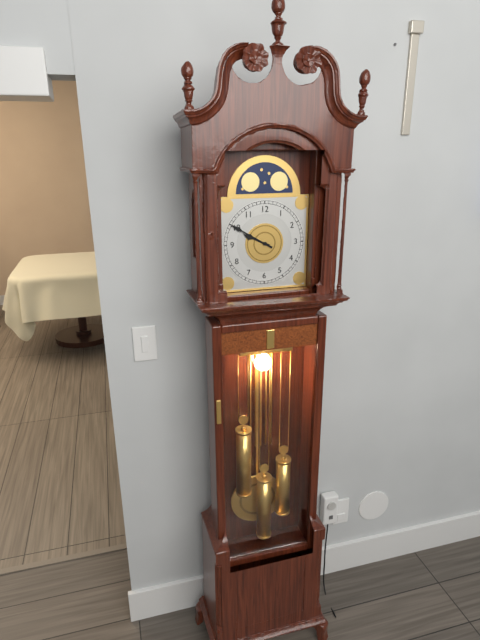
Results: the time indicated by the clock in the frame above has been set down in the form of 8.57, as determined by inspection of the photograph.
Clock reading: 9.50
